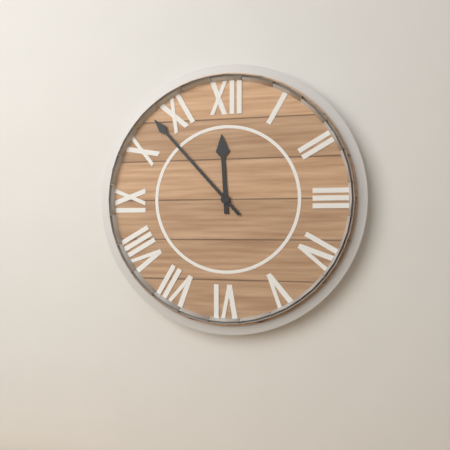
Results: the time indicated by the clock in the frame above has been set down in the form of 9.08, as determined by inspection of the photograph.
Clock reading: 11.53
